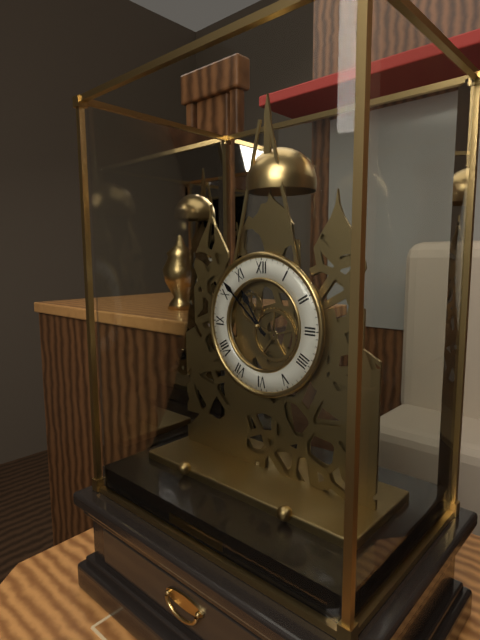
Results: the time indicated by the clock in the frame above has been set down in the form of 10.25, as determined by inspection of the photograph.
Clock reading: 10.52
